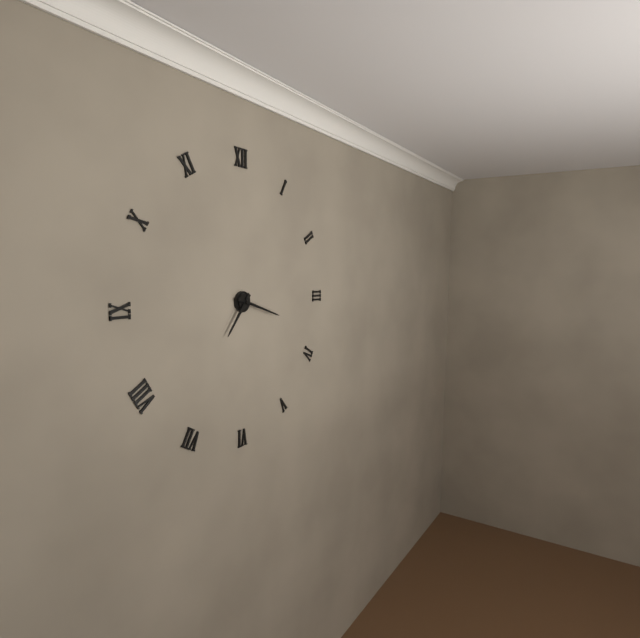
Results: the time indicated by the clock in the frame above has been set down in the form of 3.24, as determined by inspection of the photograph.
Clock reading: 7.18
